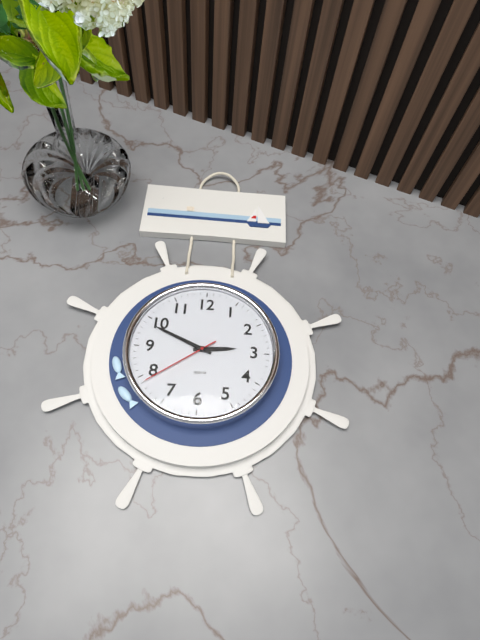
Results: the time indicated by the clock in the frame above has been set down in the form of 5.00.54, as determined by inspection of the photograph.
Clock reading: 2.49.39
